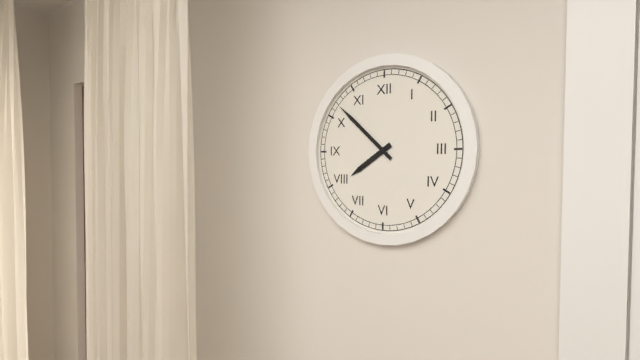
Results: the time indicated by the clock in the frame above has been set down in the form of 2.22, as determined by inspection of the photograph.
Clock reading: 7.52
